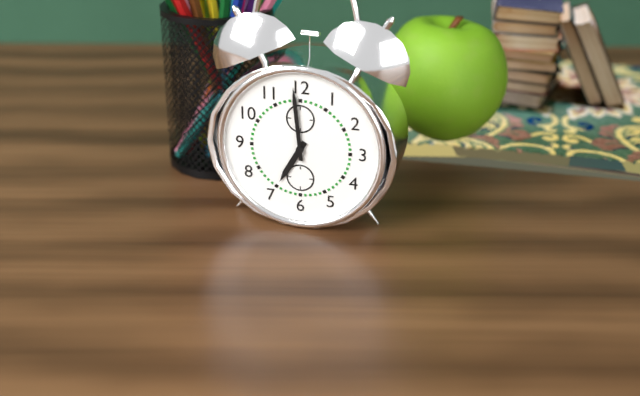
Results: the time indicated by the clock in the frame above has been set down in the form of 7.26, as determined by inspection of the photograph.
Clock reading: 6.59
